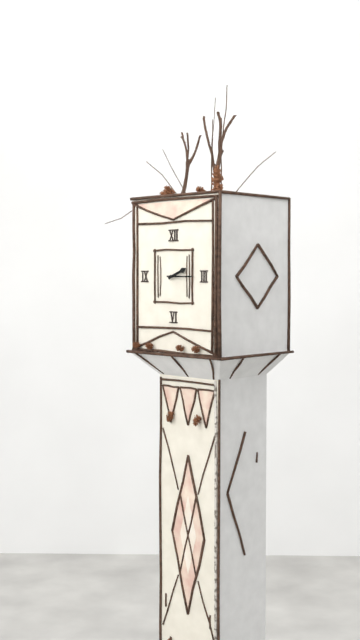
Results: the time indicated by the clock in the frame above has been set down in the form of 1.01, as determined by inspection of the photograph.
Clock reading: 2.15
